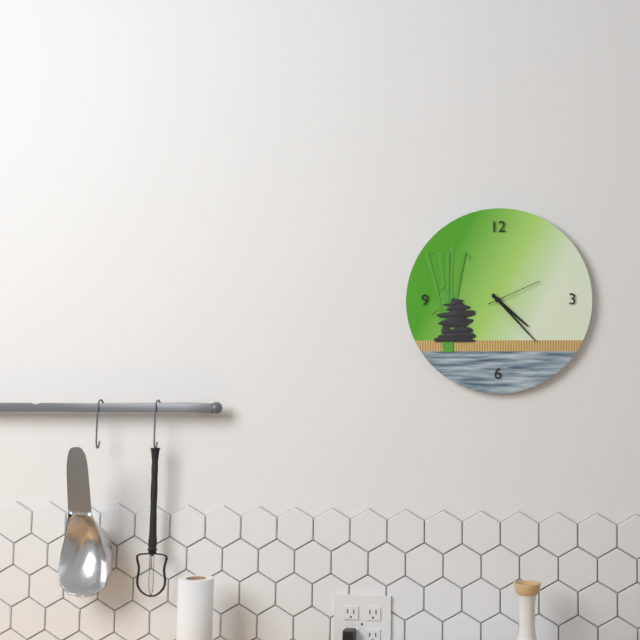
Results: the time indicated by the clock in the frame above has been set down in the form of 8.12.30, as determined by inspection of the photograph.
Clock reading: 4.23.11
